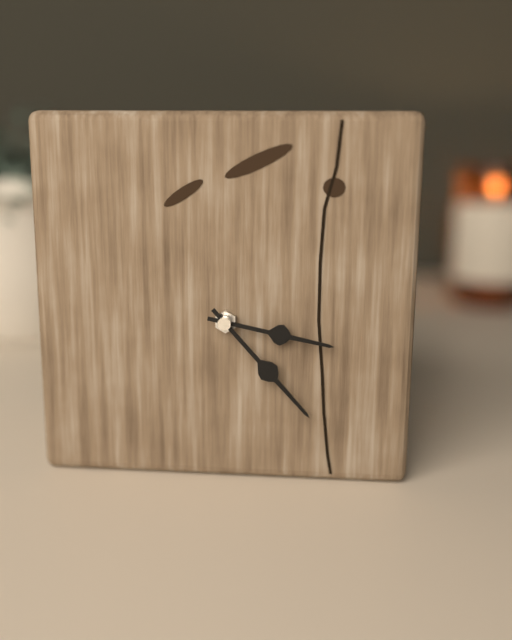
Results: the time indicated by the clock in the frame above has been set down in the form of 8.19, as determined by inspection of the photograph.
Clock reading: 3.23
